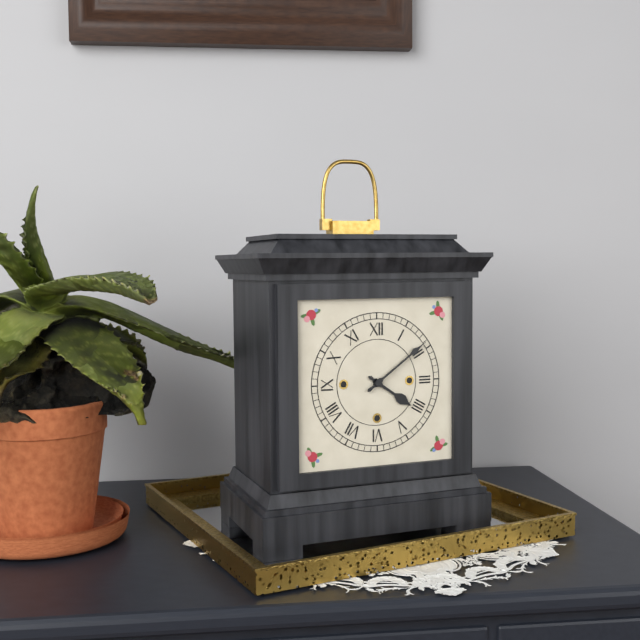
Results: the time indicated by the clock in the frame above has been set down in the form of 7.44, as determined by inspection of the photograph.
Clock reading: 4.09
